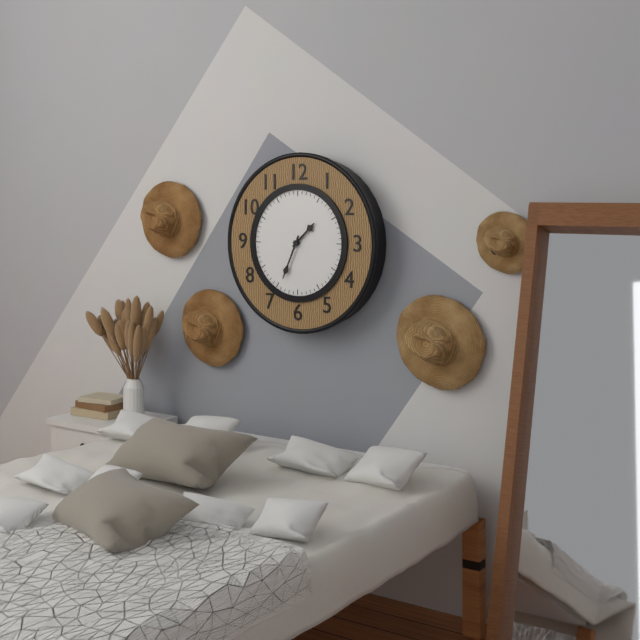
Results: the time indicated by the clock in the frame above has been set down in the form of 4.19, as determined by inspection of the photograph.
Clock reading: 1.34
